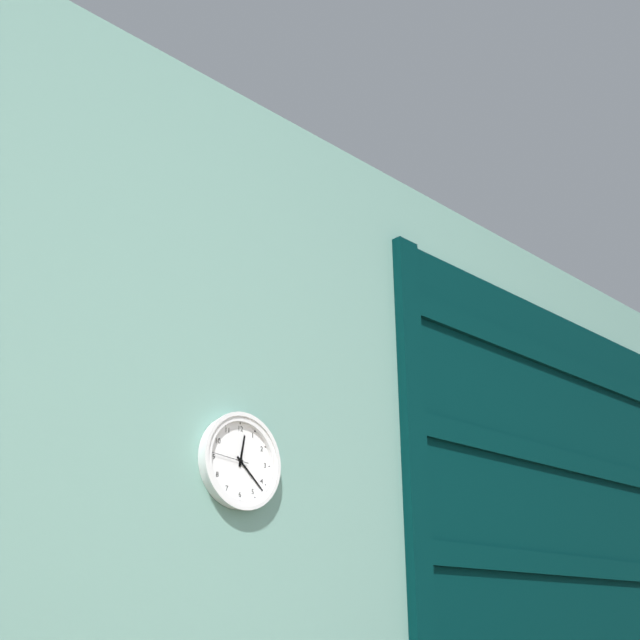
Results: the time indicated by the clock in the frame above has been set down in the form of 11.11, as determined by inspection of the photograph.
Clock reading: 12.22
